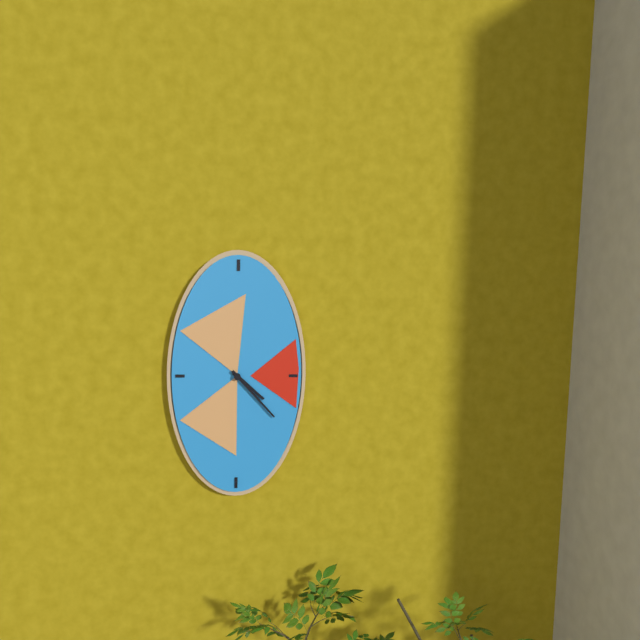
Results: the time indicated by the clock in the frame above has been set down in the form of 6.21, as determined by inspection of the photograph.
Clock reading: 4.23
